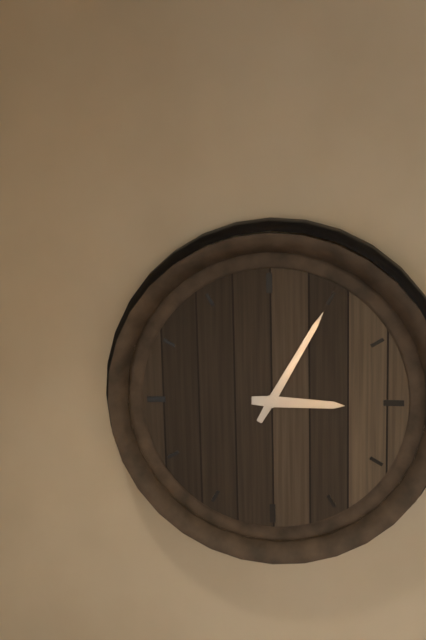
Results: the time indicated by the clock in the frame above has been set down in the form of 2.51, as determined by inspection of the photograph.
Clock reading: 3.05
